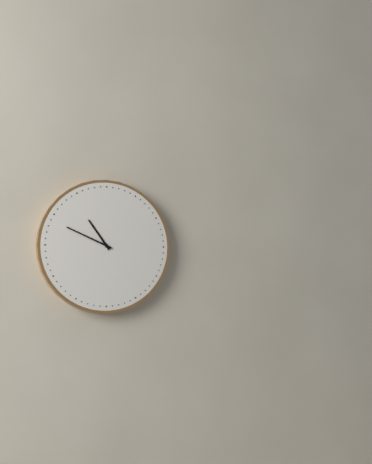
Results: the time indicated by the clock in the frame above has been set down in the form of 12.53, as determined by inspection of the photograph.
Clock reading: 10.49
